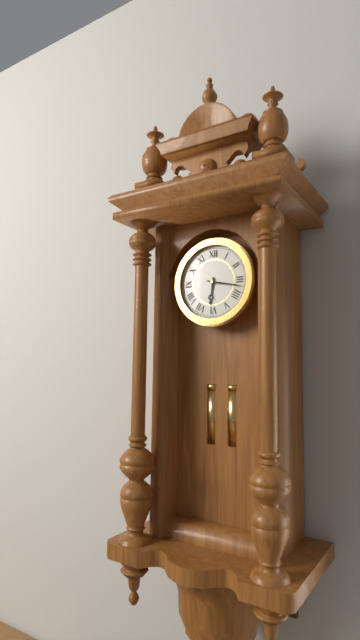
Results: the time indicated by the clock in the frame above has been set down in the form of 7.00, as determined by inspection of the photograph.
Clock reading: 6.17
